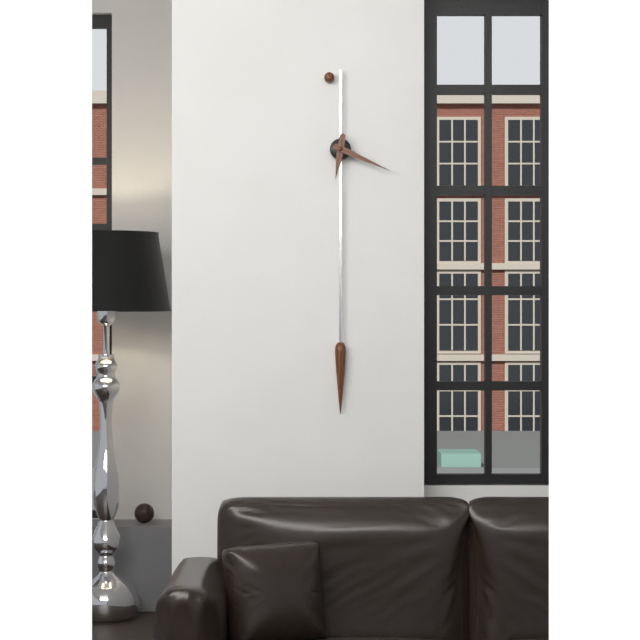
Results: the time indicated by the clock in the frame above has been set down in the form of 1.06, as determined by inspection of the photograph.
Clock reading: 6.19
